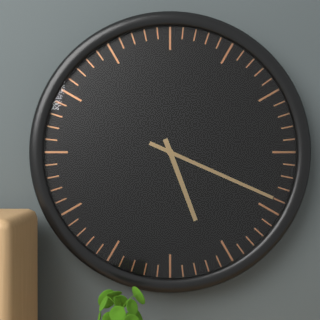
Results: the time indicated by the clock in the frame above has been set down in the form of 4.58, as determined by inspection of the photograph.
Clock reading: 5.19
